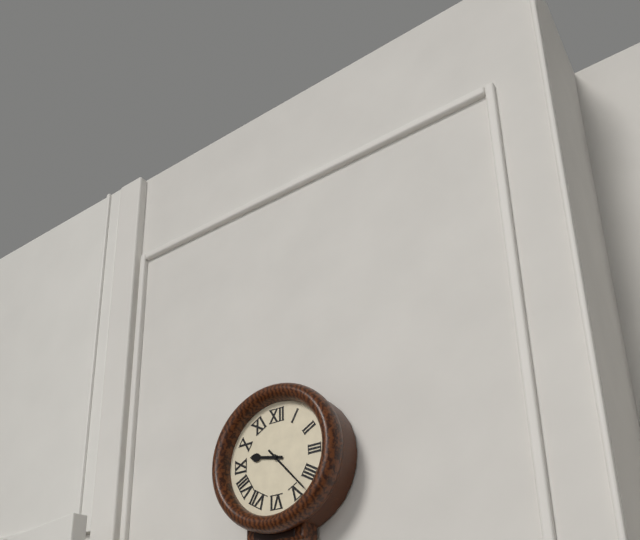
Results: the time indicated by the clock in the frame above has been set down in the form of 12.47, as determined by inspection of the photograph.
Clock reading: 9.23
